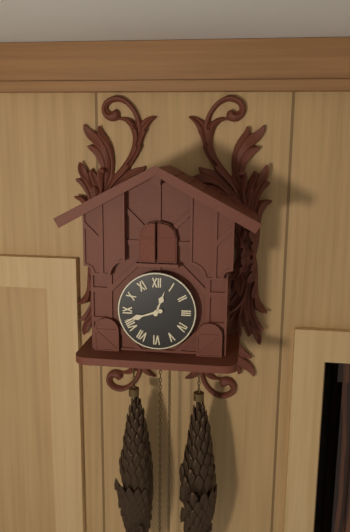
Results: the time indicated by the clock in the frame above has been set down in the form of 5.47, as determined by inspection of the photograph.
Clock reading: 12.42
